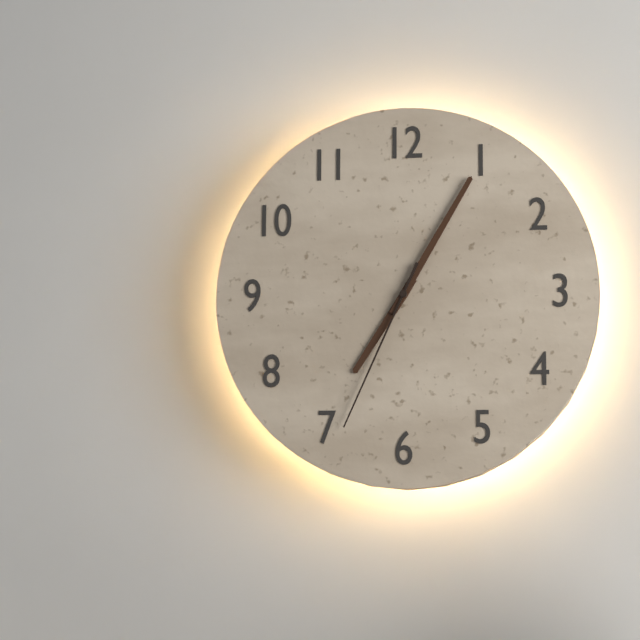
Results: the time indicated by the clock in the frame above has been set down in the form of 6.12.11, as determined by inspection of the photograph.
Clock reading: 7.05.34
